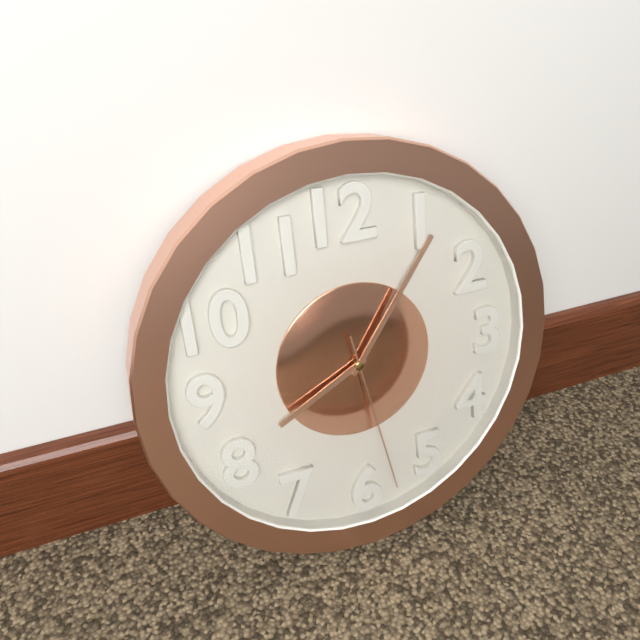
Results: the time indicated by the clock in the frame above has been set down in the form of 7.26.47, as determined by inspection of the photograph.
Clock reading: 8.06.28
